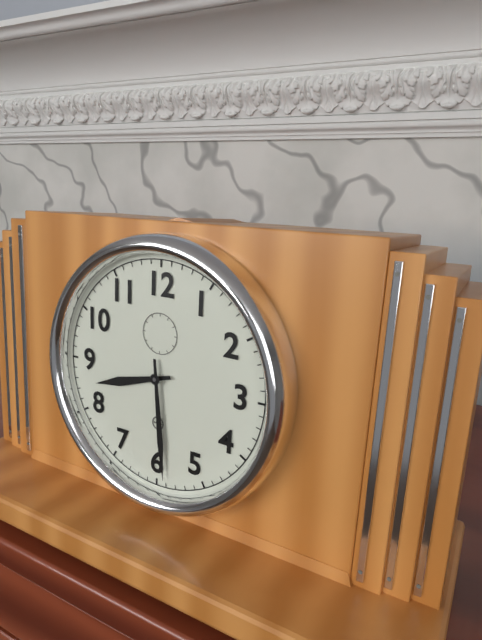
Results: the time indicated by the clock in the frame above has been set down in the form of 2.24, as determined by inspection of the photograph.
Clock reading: 8.29
